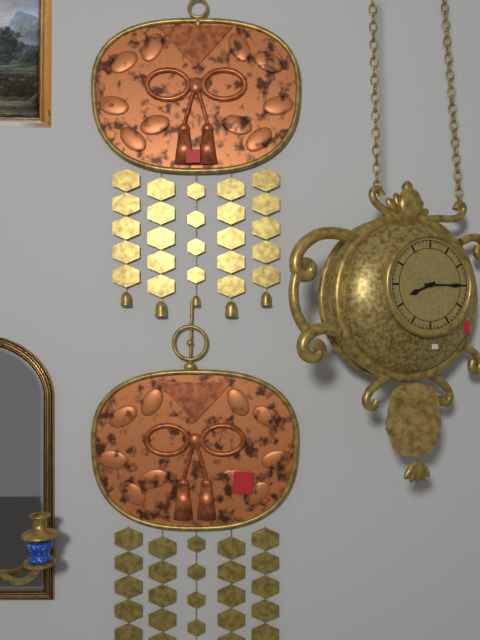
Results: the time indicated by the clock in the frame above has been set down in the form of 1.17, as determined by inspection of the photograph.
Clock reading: 8.15
